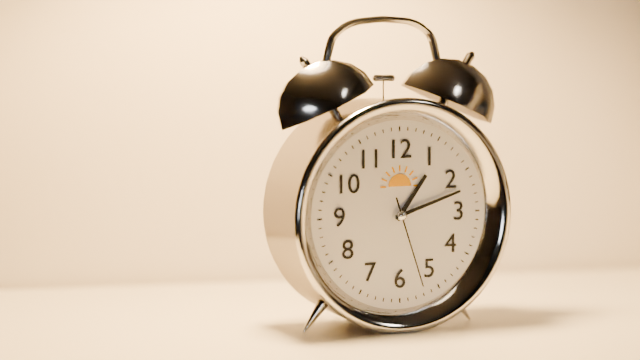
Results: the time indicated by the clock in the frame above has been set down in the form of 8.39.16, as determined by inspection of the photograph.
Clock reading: 1.12.27
